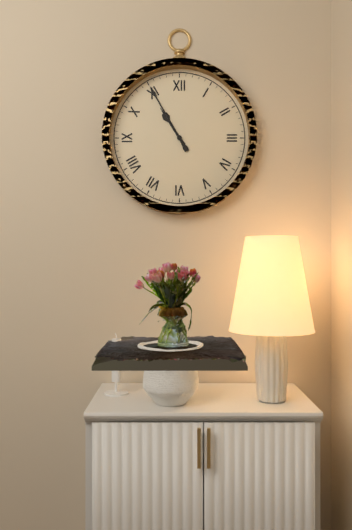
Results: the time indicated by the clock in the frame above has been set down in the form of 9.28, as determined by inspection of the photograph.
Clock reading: 10.55
